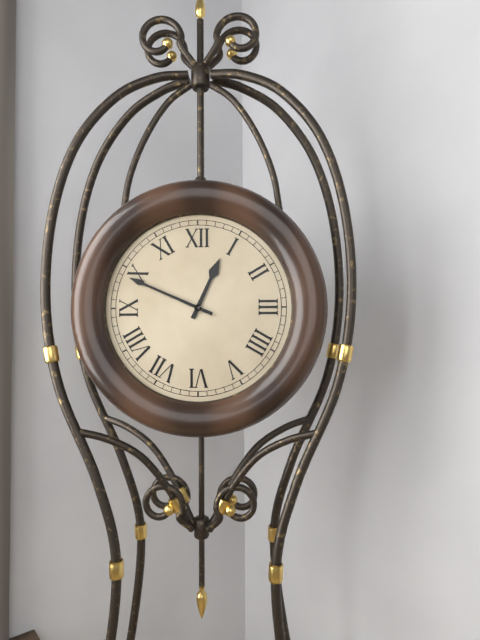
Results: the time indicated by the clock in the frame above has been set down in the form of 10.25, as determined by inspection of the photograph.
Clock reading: 12.49
